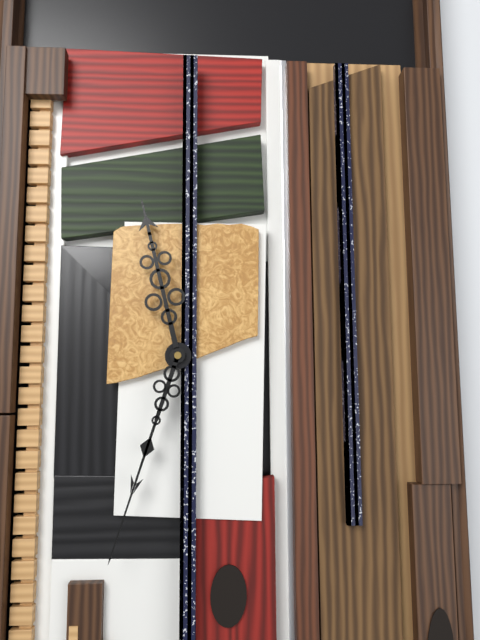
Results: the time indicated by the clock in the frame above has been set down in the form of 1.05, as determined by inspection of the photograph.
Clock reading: 11.33
